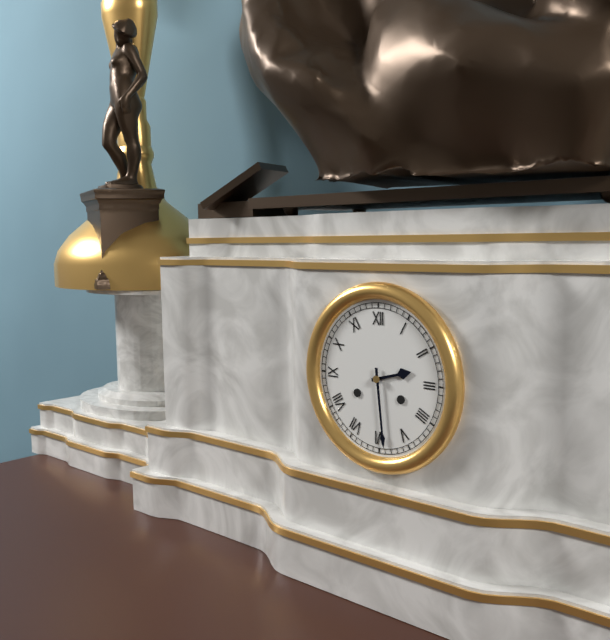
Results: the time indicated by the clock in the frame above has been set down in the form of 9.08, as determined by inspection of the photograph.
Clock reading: 2.29
